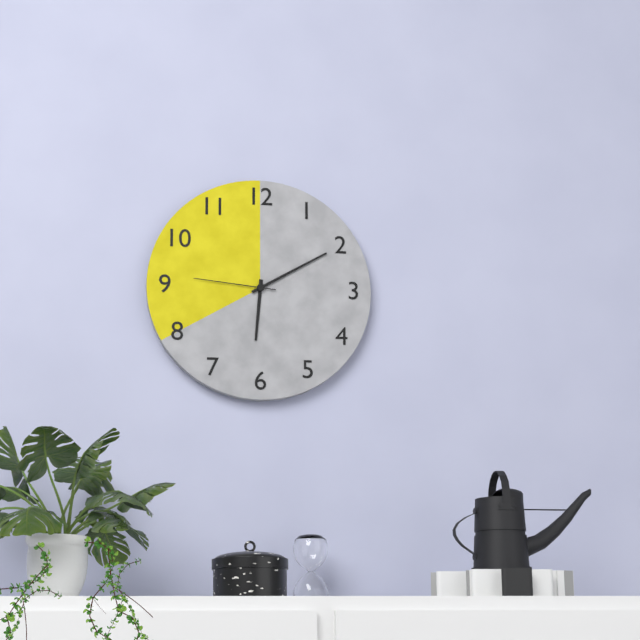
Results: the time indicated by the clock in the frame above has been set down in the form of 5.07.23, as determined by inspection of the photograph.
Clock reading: 6.10.46
